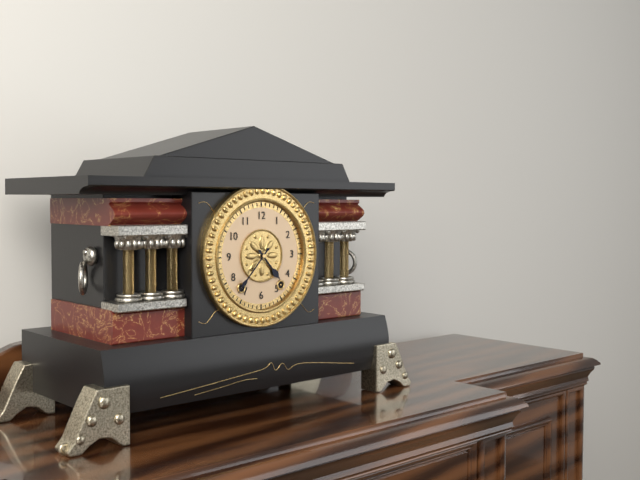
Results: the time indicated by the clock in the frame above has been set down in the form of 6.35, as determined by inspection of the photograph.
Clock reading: 4.37
